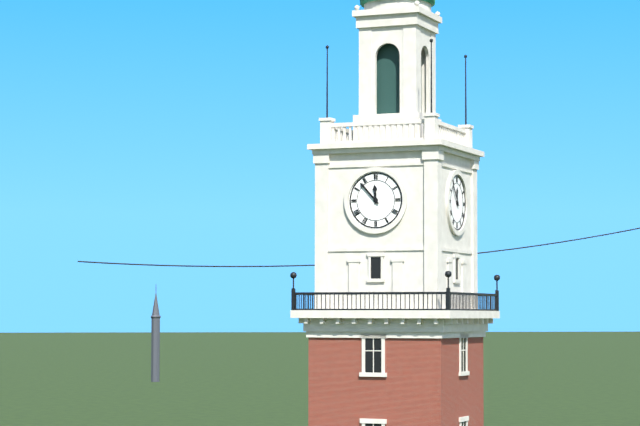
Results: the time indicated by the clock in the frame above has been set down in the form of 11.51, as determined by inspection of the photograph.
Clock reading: 11.53
